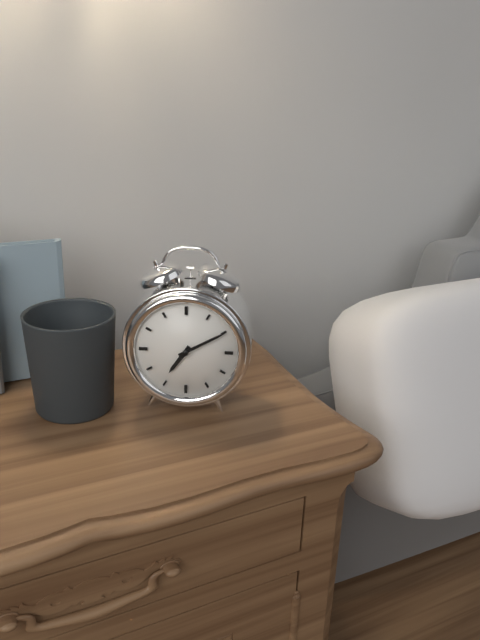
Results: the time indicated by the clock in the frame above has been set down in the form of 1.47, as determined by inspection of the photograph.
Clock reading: 7.10
